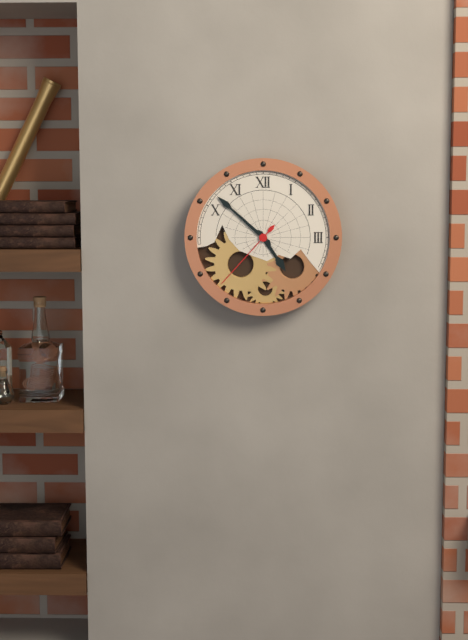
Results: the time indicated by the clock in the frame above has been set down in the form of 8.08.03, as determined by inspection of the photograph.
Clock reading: 4.52.37
